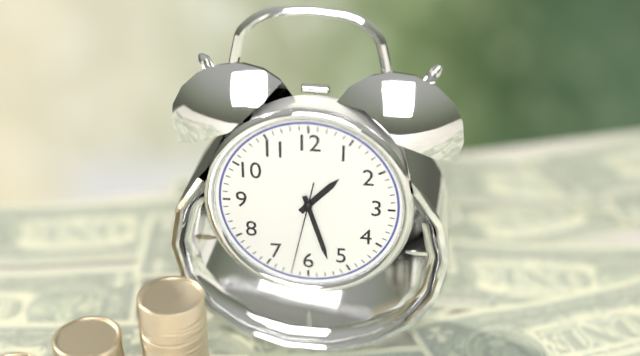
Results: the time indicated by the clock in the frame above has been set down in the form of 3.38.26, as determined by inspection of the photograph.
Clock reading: 1.27.32
